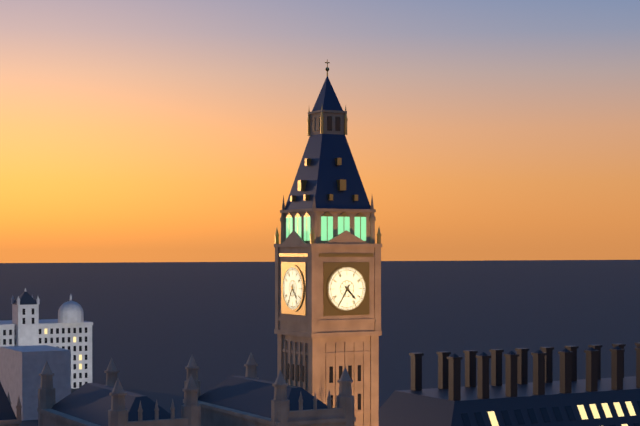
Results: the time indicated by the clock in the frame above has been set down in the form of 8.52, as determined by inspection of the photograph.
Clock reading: 4.35
